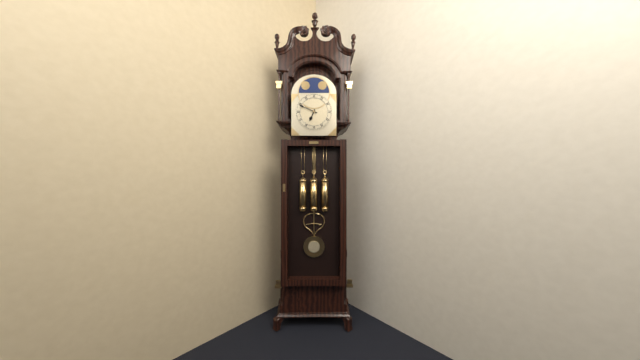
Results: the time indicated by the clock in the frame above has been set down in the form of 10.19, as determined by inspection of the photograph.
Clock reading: 6.49
